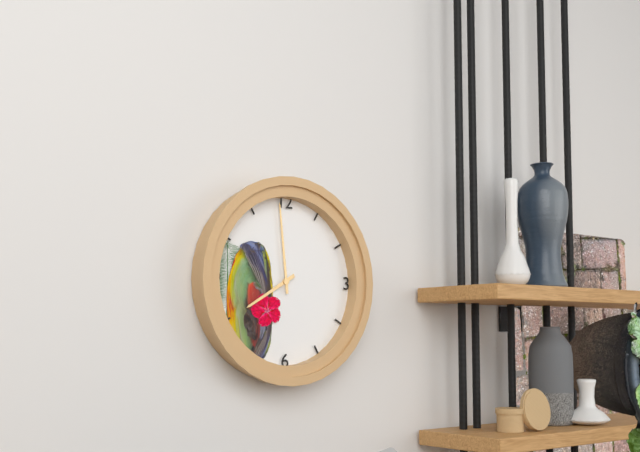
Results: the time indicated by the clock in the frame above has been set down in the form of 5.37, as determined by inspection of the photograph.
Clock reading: 7.59
